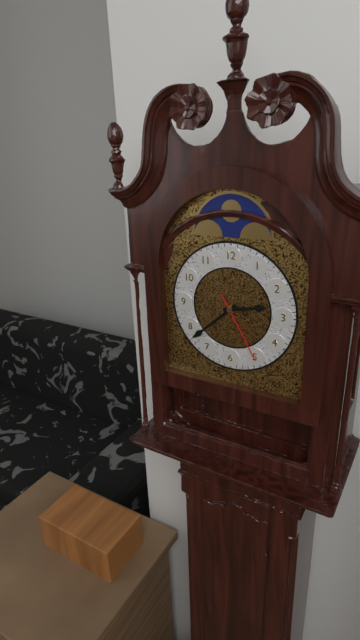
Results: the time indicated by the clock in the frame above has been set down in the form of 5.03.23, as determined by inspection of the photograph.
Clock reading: 2.38.25
